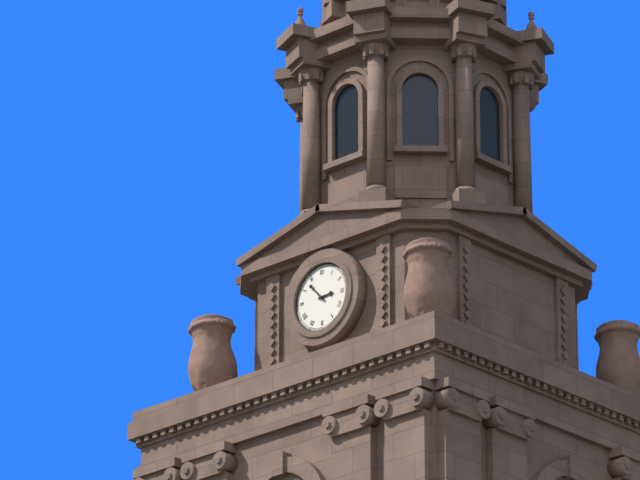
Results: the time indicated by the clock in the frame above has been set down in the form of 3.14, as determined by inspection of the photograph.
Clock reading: 2.53
